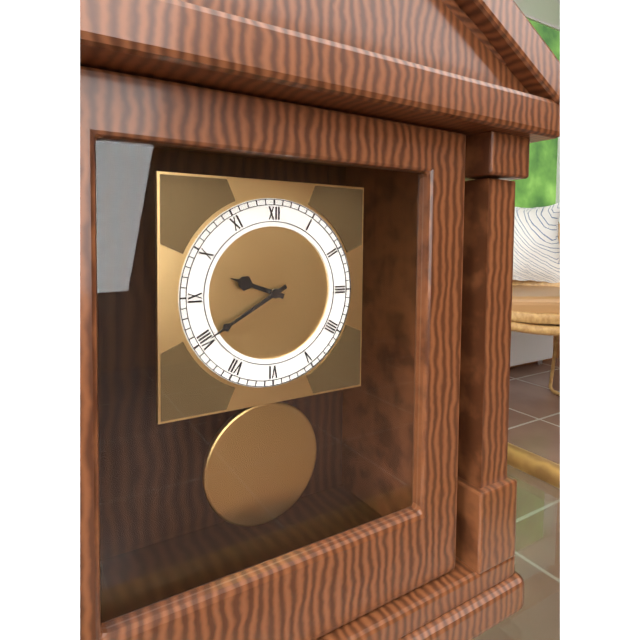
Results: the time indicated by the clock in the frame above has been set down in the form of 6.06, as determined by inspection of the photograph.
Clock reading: 9.40
